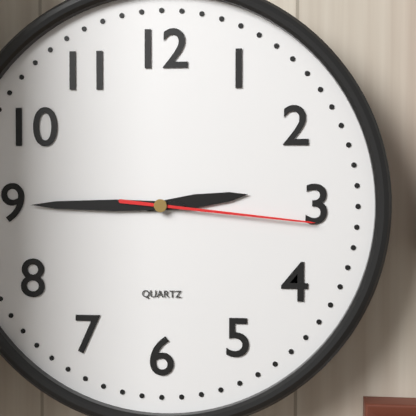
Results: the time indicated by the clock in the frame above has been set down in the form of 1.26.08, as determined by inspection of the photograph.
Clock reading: 2.45.16
